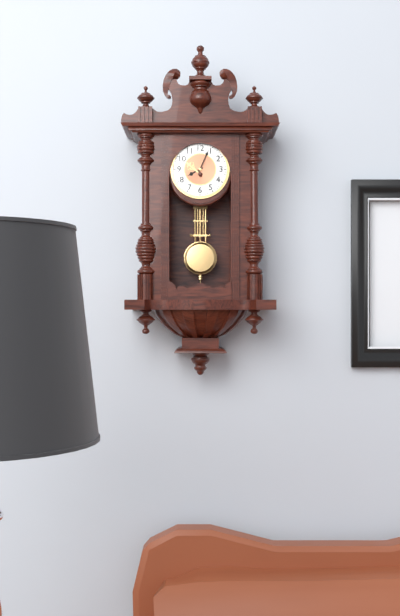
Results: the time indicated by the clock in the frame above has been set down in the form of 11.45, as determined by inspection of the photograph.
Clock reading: 8.04
